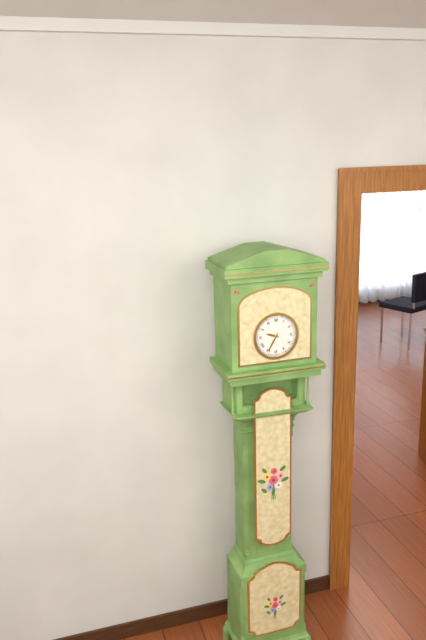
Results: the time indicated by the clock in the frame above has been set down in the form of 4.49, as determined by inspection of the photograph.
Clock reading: 9.35
